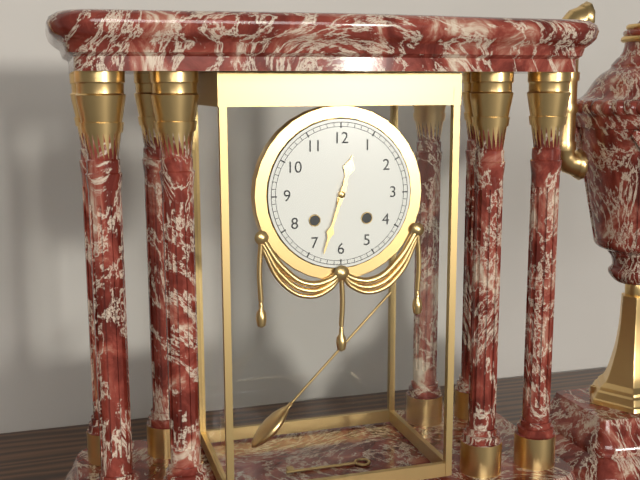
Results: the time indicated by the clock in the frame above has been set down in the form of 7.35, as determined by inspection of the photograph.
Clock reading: 12.33
